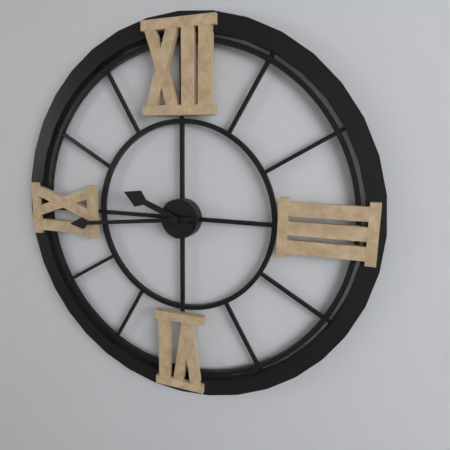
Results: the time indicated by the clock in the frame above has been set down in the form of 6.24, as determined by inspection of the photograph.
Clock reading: 9.44
